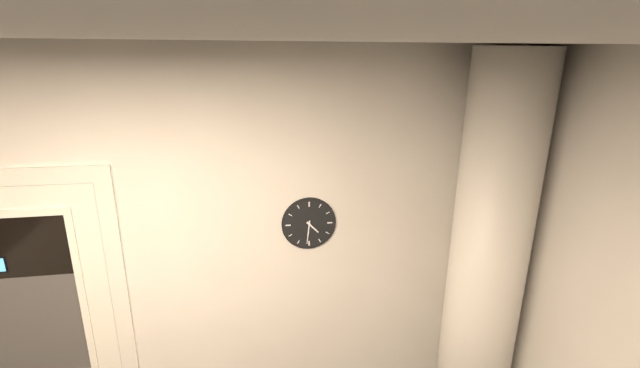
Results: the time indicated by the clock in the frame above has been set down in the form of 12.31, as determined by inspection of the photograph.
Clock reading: 4.31
